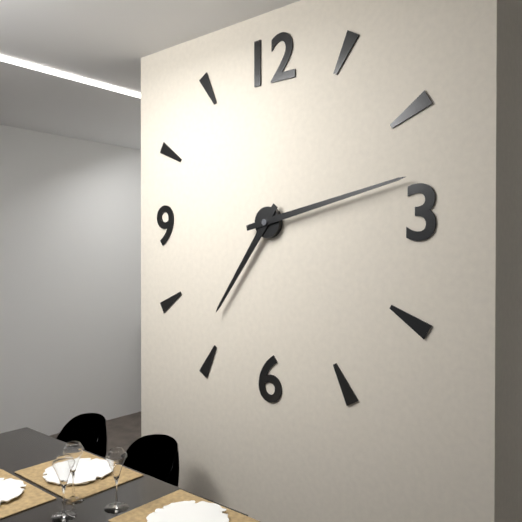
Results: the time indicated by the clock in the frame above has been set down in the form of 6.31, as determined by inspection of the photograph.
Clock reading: 7.13
